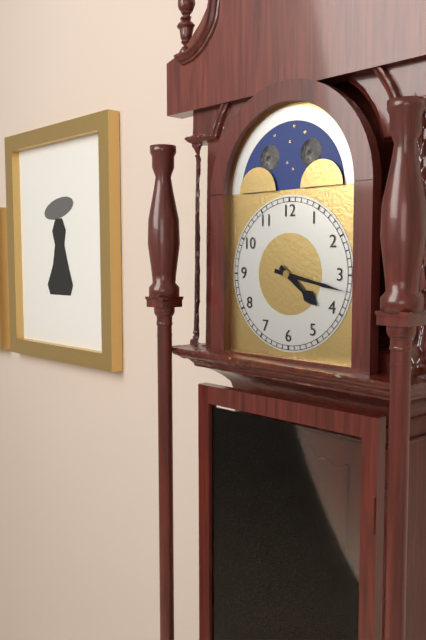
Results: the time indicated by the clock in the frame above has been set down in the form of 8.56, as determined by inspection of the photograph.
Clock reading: 4.17
